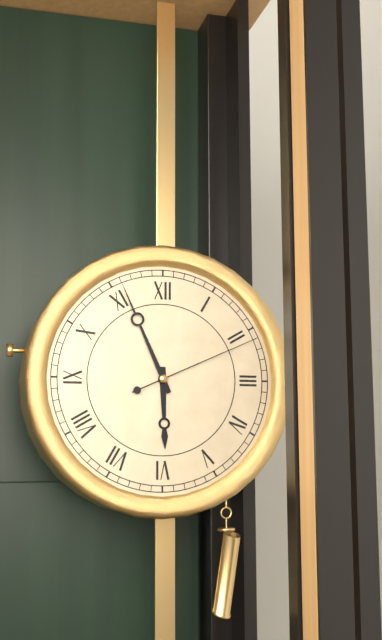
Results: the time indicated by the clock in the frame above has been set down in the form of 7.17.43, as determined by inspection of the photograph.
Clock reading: 5.56.11
